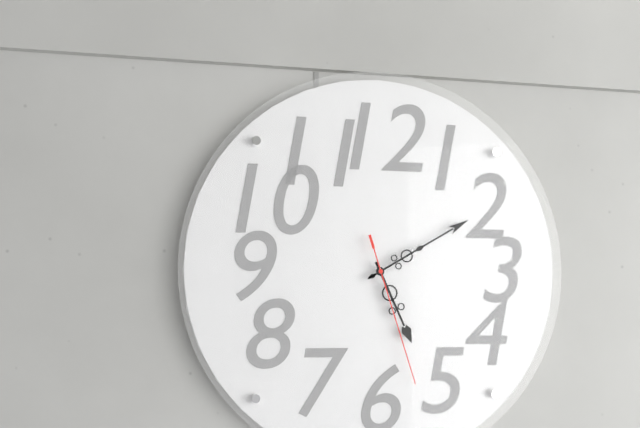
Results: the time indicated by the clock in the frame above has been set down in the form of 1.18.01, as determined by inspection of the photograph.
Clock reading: 5.10.27
